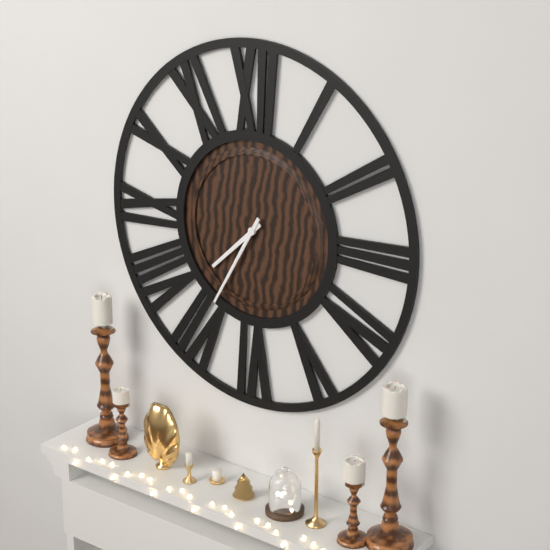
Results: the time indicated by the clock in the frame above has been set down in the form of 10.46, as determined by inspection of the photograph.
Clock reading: 7.35
